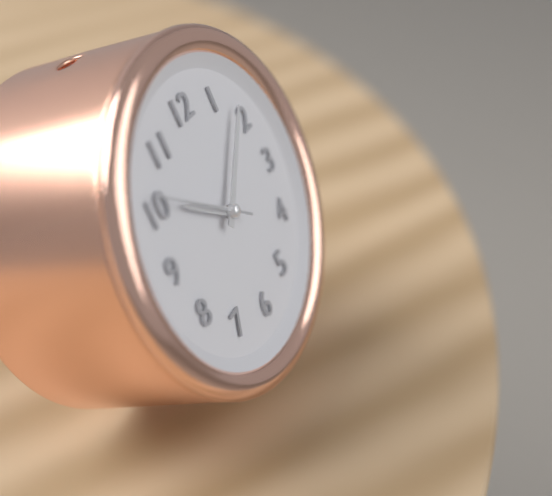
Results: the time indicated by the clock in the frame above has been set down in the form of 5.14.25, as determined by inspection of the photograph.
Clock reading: 10.08.51
